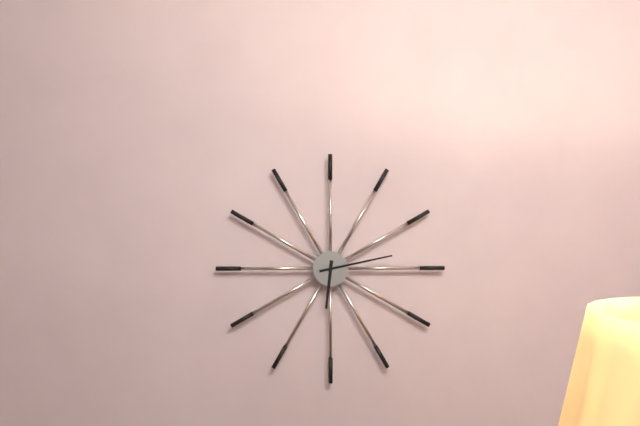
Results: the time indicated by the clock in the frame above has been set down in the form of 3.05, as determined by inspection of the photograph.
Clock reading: 6.13
